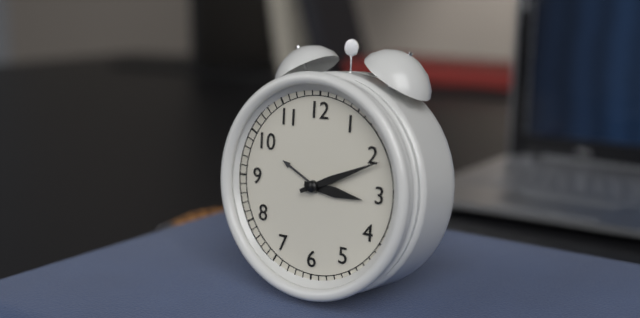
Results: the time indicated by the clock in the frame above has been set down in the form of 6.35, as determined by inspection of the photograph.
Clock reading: 3.11
